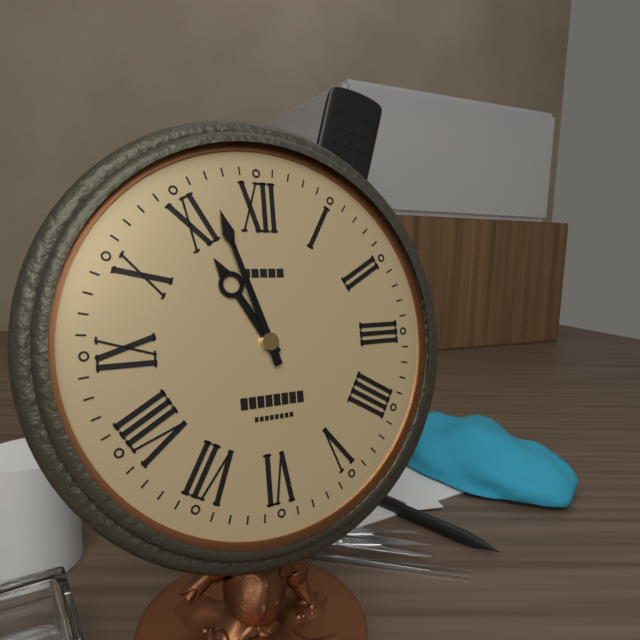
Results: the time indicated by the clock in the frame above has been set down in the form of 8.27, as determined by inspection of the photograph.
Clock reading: 10.57
